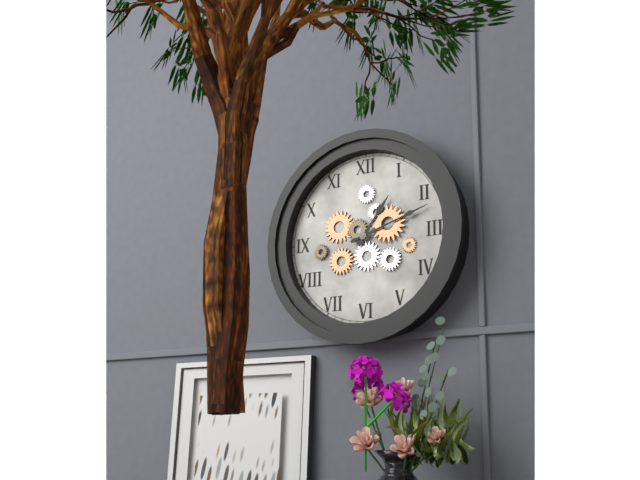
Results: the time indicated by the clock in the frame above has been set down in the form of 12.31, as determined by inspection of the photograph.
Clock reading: 1.12
